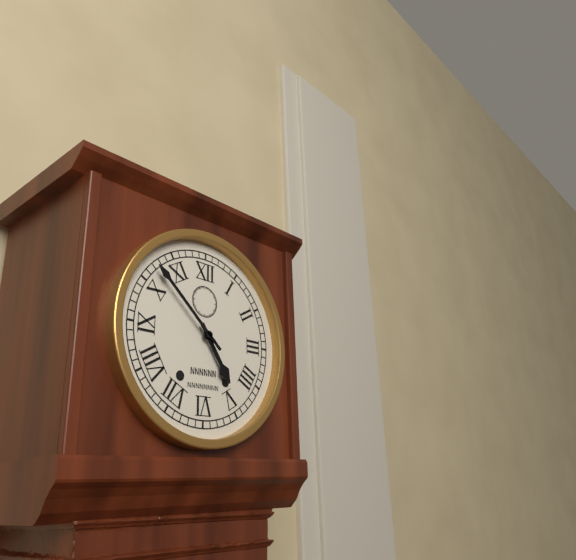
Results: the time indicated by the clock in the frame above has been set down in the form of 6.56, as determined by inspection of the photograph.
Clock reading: 4.52
